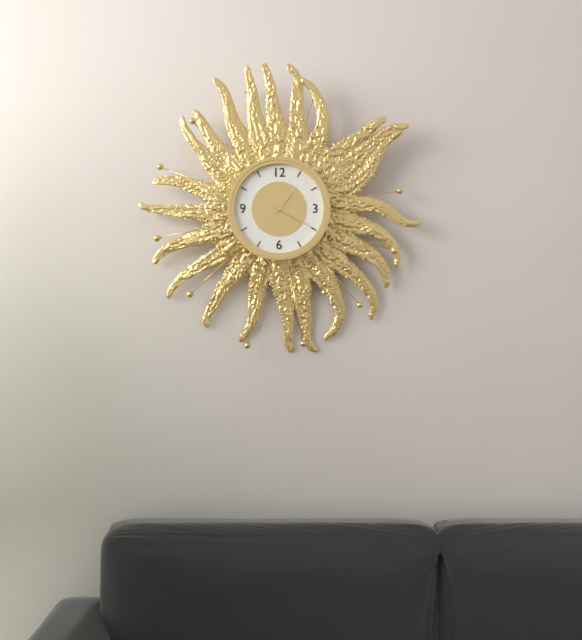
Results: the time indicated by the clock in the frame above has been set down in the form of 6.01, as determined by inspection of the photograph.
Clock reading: 1.20
